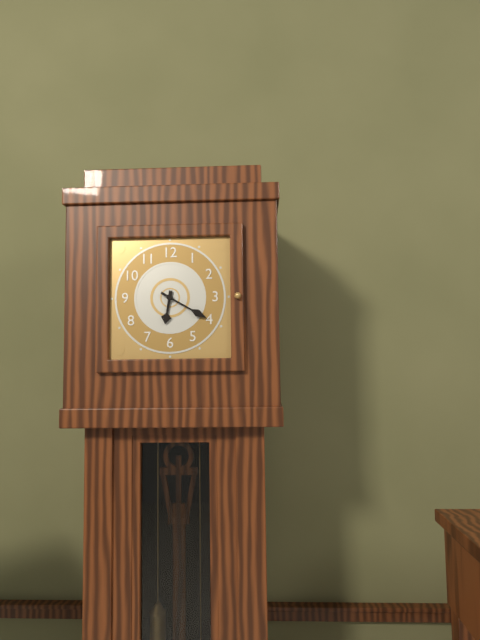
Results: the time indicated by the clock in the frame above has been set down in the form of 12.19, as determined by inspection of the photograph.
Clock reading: 6.20
